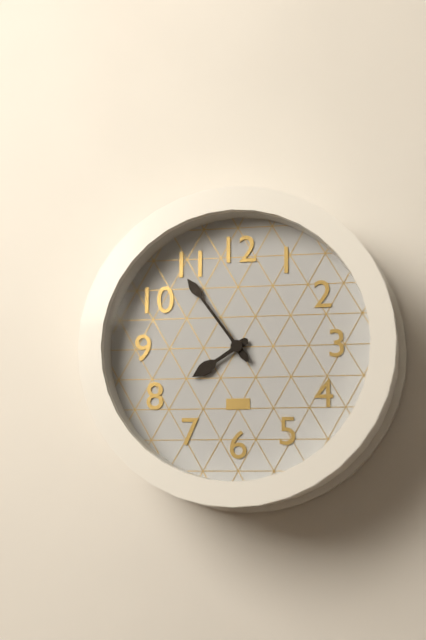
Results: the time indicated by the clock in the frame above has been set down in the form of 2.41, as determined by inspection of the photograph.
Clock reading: 7.54
